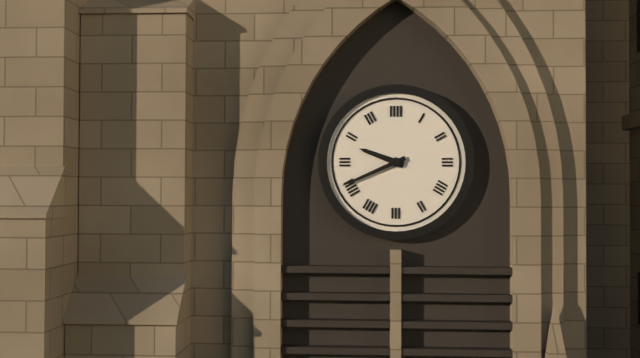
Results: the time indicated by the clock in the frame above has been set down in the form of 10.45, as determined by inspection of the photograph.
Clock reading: 9.41
